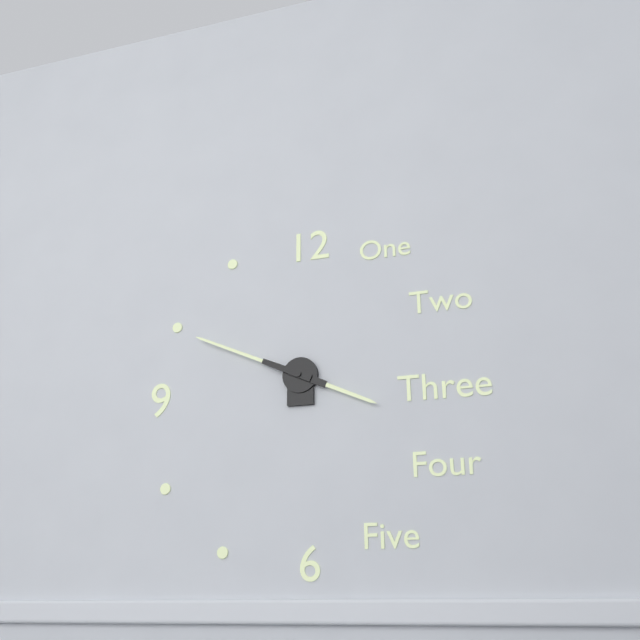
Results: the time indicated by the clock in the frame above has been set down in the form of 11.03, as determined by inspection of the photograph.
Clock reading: 3.49
